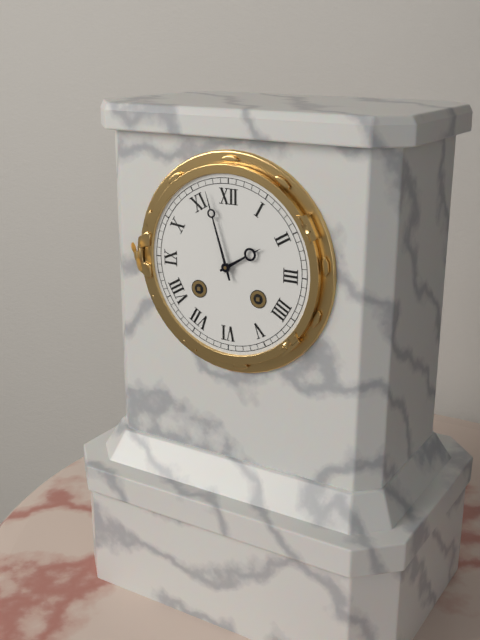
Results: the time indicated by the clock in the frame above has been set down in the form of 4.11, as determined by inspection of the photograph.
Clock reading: 1.57
